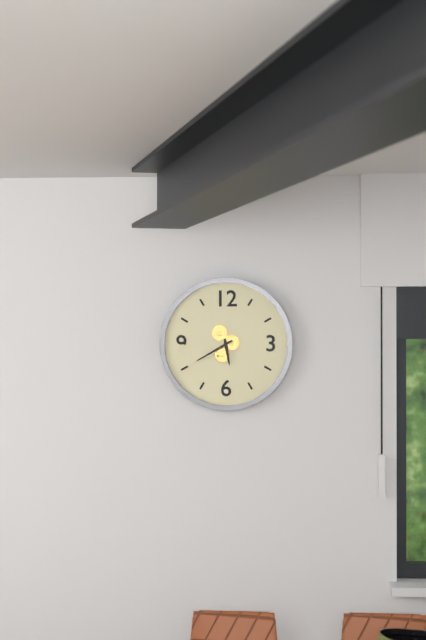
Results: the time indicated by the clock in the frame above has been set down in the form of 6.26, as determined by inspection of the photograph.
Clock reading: 5.40
